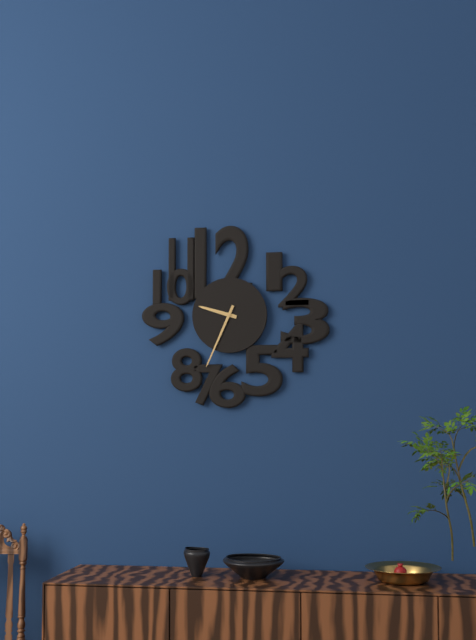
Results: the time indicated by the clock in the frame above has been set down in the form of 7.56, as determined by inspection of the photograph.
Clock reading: 9.34
